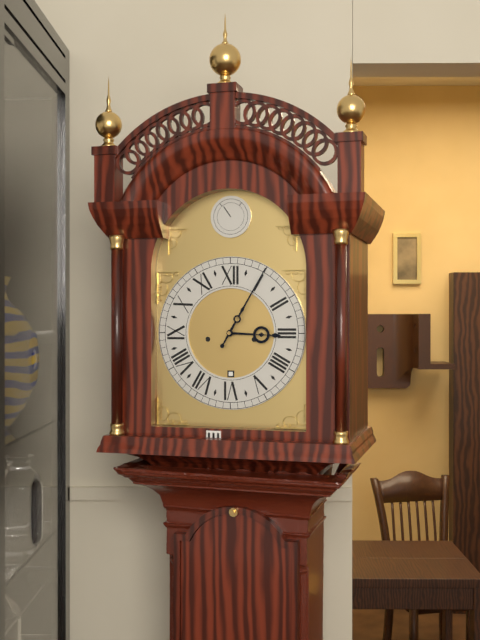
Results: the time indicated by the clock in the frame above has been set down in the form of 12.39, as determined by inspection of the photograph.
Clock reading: 3.05
